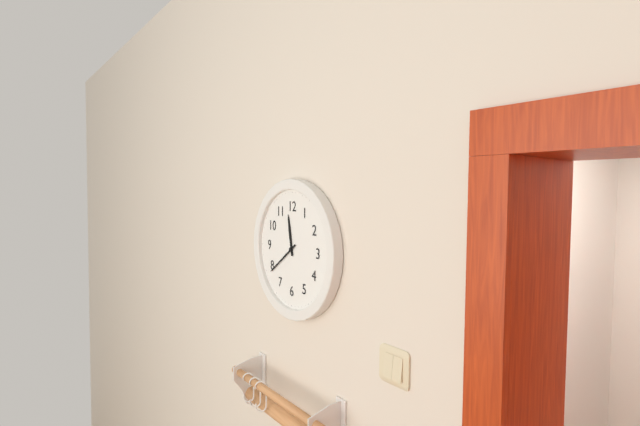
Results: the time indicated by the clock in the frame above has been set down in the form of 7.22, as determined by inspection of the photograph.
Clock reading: 11.39
